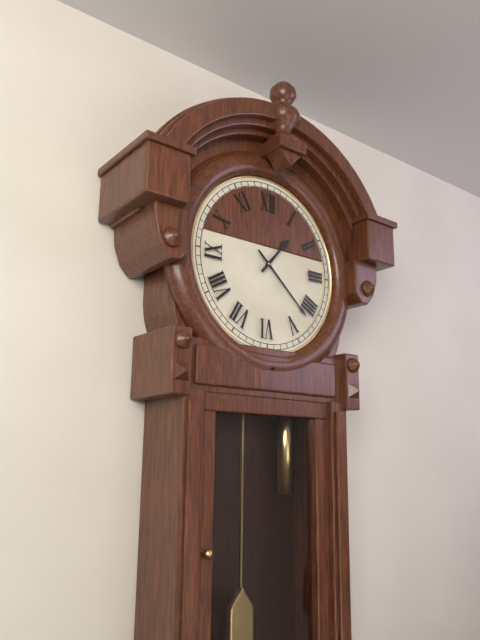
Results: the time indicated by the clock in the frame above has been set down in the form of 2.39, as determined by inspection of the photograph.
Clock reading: 1.22
